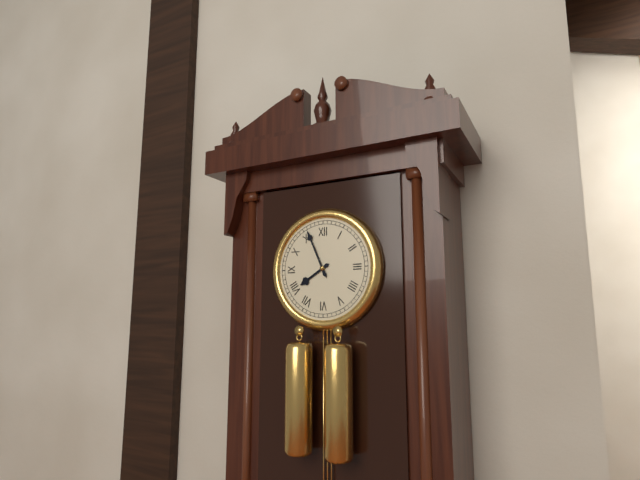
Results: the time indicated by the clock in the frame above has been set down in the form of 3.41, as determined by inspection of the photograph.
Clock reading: 7.56
